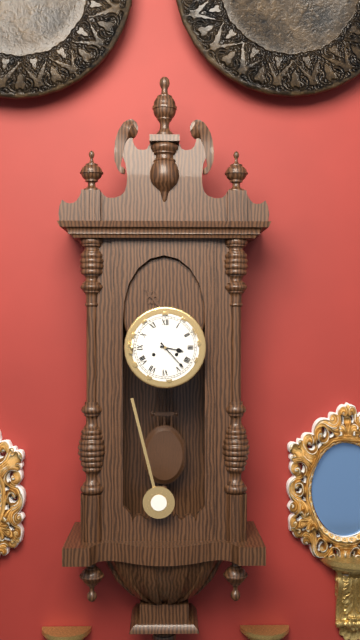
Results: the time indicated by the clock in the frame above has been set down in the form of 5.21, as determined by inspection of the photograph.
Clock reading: 3.23
